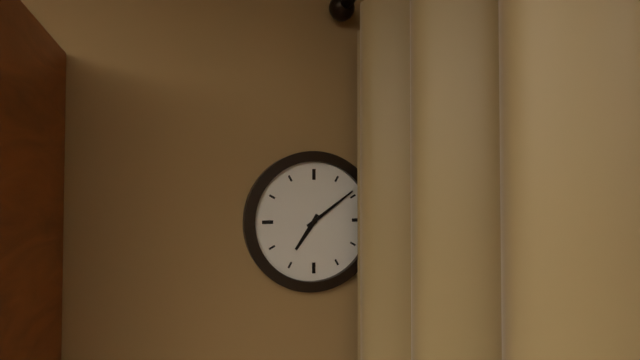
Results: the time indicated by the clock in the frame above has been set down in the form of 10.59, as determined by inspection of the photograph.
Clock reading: 7.09
